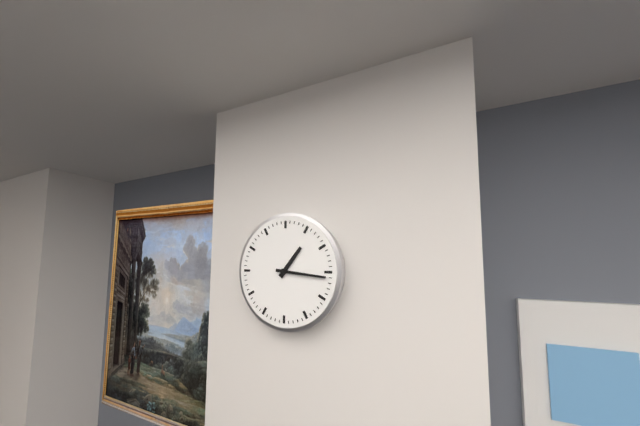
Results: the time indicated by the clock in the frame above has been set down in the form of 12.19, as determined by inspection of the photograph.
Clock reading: 1.16
